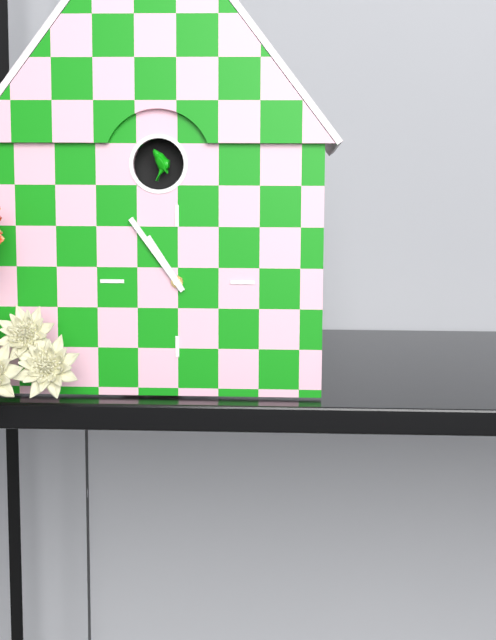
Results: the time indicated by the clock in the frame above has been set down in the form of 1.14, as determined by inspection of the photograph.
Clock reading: 10.54
